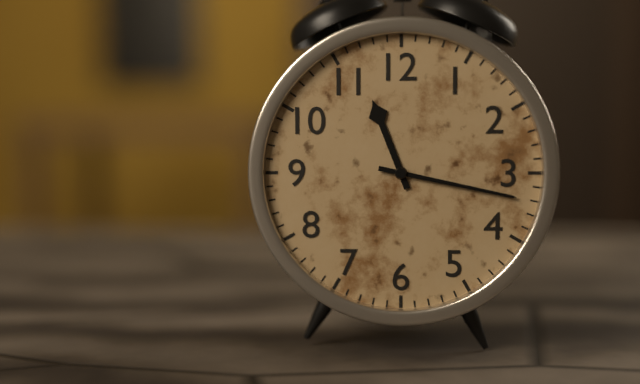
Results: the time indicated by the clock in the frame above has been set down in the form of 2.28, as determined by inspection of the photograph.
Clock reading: 11.17
